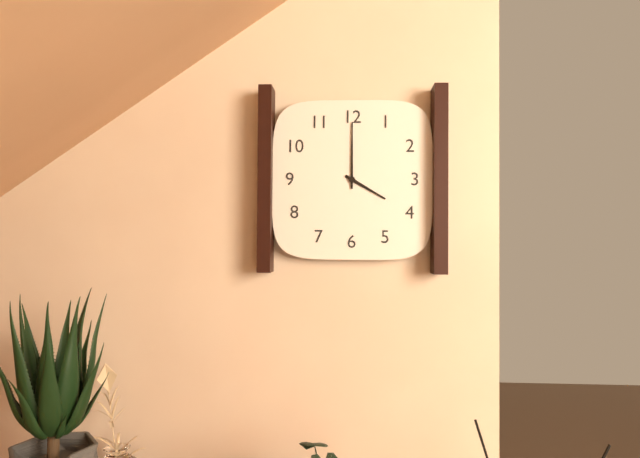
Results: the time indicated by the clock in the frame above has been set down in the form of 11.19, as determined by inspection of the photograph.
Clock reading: 4.00
